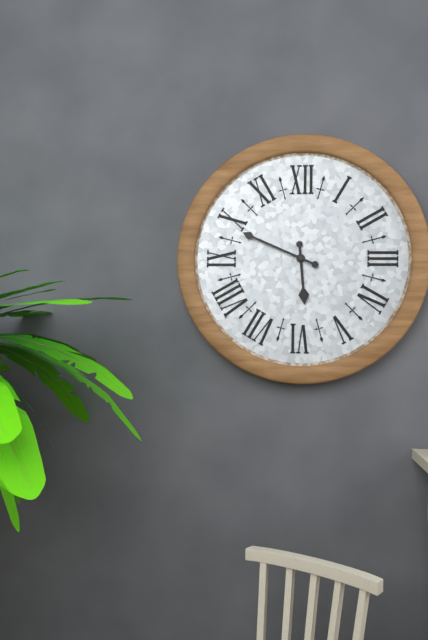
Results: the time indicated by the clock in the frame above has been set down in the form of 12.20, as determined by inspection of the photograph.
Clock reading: 5.49
